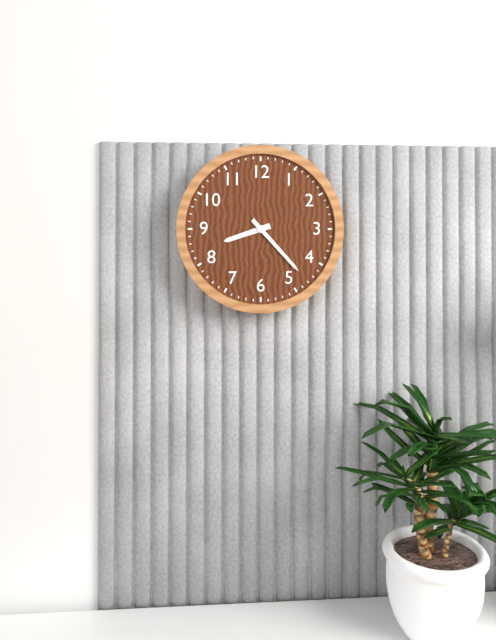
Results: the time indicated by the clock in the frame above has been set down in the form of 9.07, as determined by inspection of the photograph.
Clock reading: 8.23
